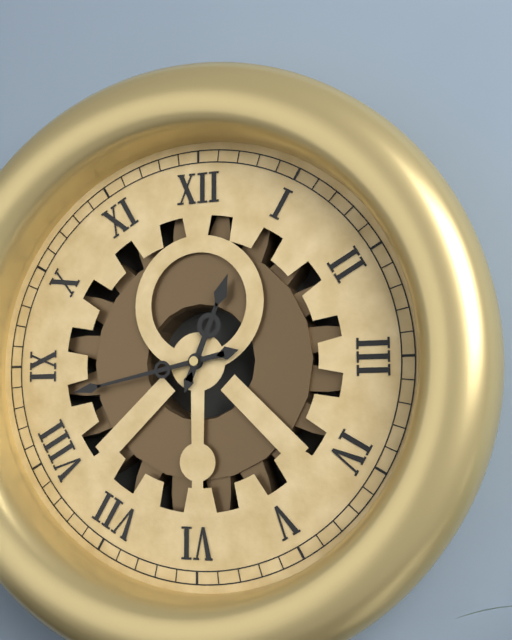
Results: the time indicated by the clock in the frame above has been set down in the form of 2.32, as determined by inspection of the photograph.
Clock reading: 12.43
